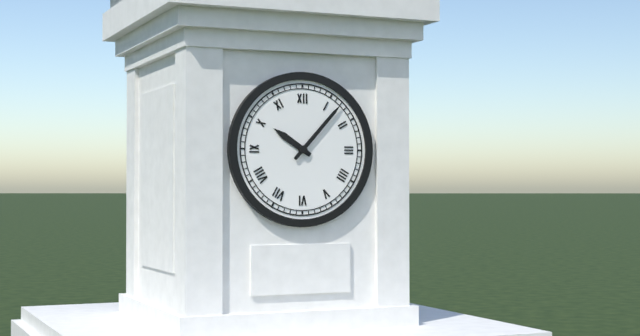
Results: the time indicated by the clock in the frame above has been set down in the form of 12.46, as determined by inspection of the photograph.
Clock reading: 10.07
